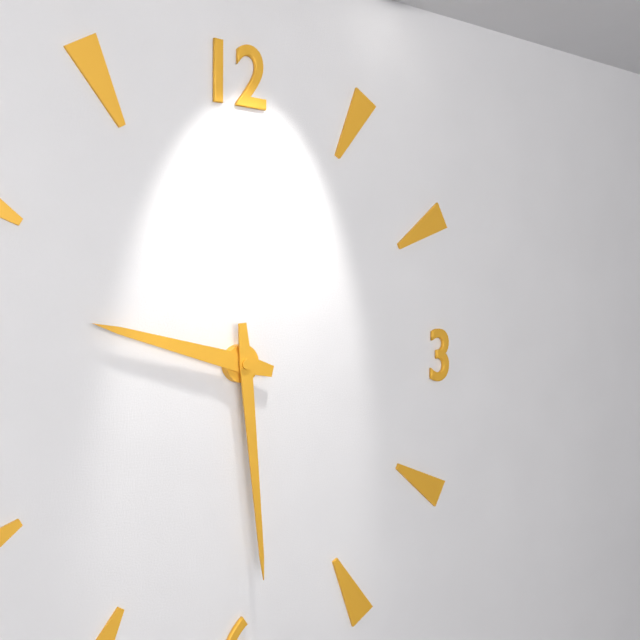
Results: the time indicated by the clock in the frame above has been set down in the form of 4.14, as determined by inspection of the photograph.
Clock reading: 9.29
